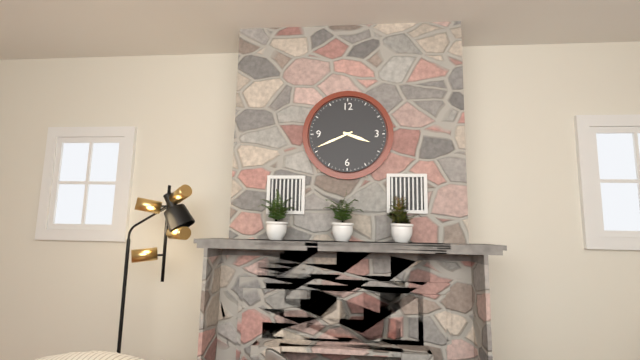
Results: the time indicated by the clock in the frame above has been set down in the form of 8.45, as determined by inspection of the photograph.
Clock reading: 3.41
